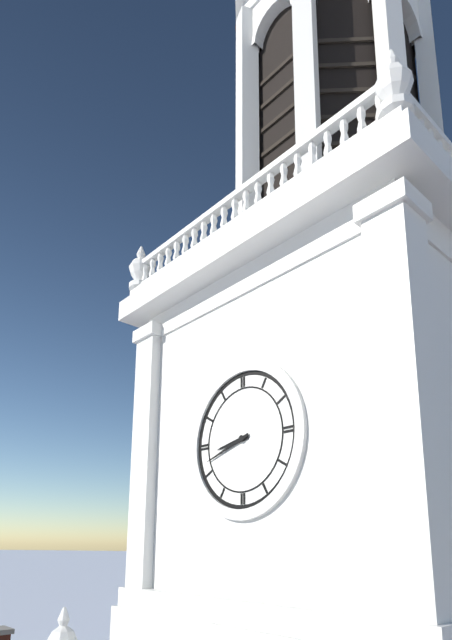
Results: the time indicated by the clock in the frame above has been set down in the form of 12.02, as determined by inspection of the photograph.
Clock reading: 8.42
